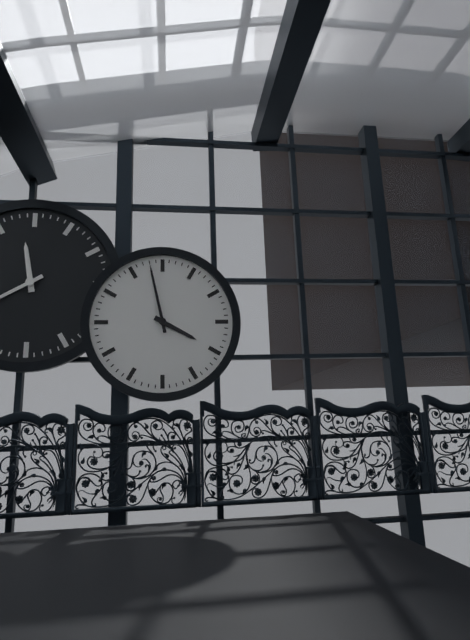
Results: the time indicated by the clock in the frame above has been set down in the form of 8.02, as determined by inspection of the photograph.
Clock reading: 3.58
